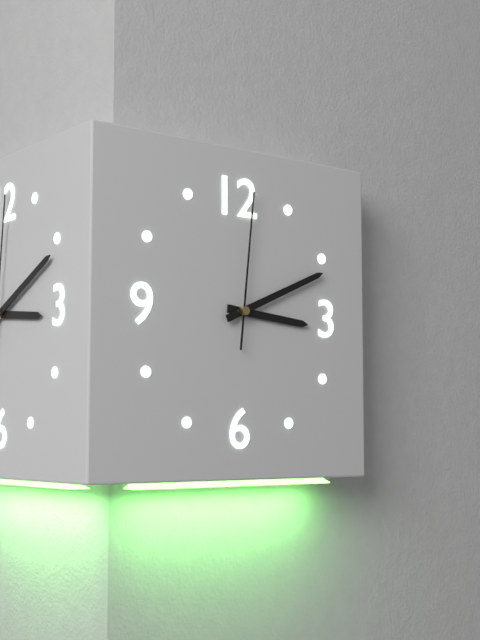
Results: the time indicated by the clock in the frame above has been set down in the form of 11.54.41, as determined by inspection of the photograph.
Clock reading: 3.11.01
